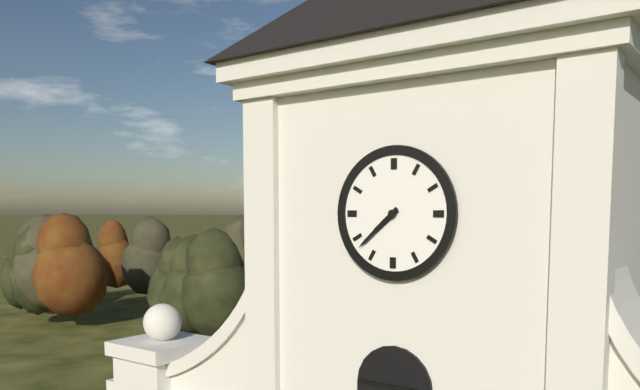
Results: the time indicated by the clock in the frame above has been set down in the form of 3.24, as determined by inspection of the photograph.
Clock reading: 7.38
